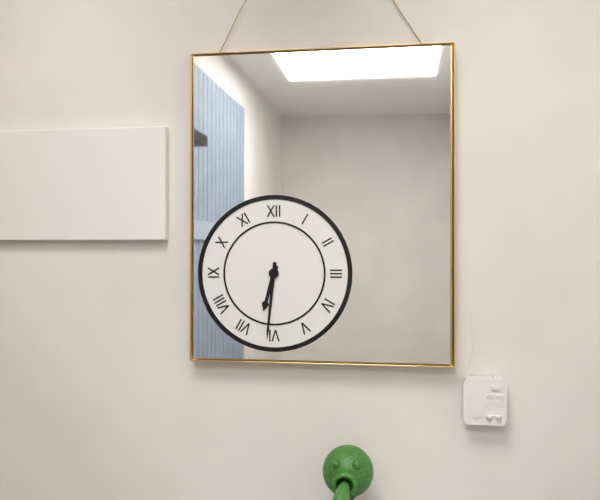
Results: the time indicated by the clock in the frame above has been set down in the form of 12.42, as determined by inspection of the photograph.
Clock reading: 6.31
